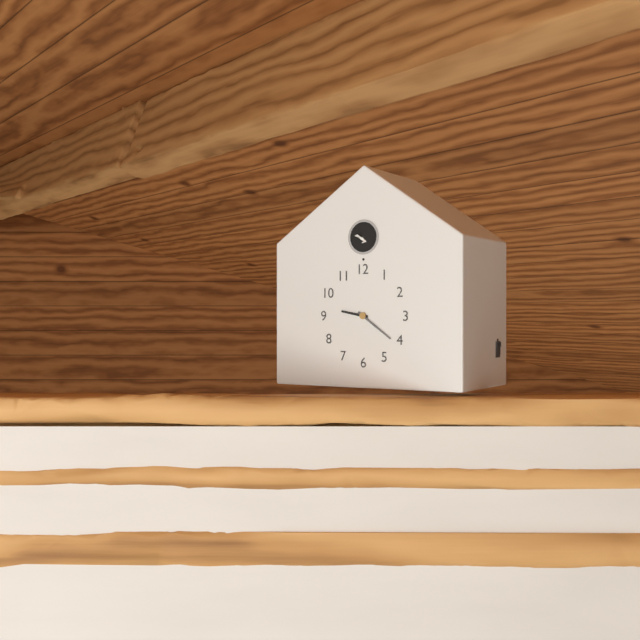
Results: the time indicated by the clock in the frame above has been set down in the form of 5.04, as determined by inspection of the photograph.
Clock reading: 9.21
